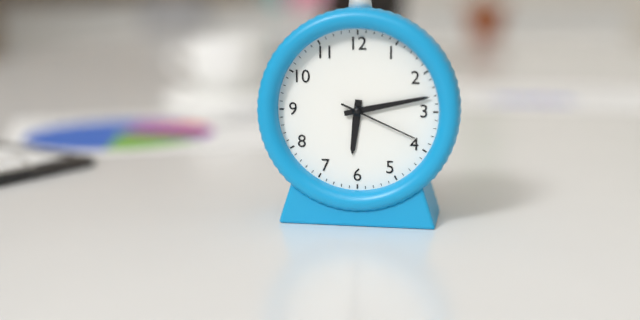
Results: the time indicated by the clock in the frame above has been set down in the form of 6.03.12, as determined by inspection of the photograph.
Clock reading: 6.13.19
